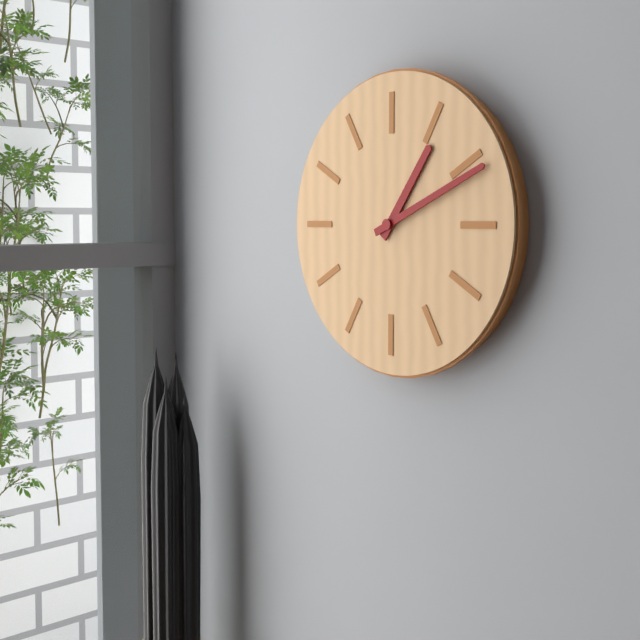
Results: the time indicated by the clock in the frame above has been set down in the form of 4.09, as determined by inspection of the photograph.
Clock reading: 1.11
